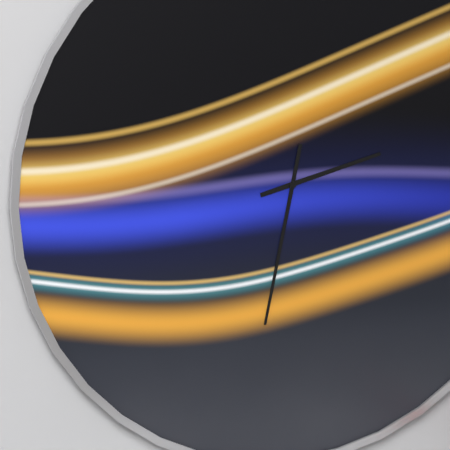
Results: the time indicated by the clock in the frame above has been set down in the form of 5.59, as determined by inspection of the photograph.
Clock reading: 2.32
